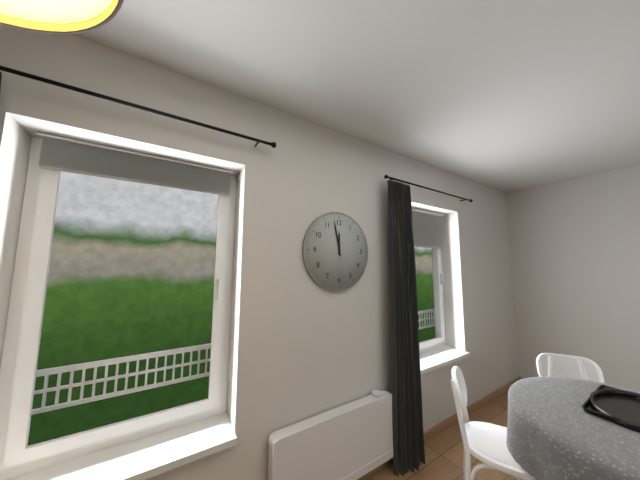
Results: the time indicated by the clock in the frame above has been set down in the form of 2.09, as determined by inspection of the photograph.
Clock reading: 11.58
